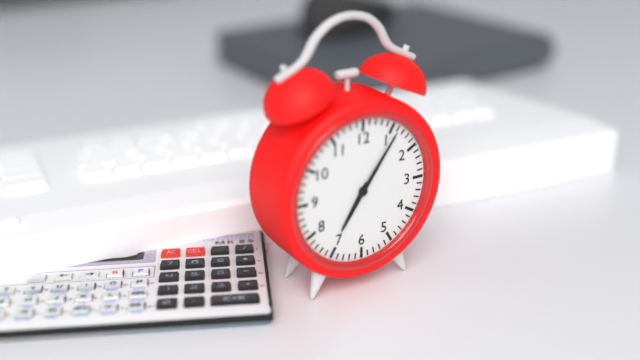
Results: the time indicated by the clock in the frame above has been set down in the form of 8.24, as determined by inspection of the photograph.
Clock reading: 7.06
